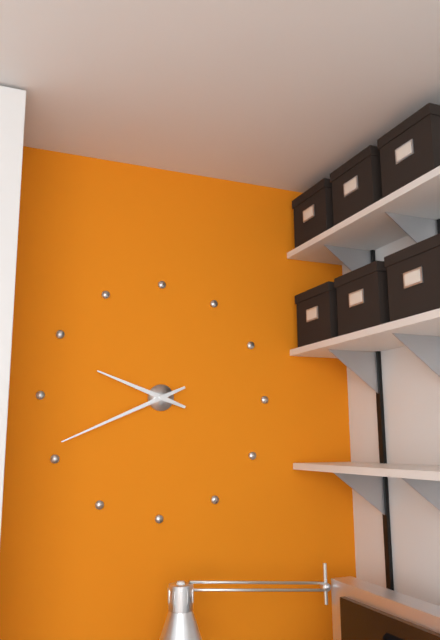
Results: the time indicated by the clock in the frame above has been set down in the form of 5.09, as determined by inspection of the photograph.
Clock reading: 9.41
